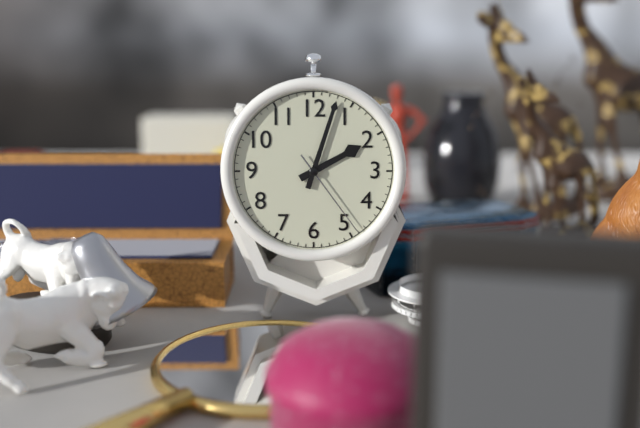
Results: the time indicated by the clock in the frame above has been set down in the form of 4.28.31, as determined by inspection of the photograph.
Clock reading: 2.03.24
